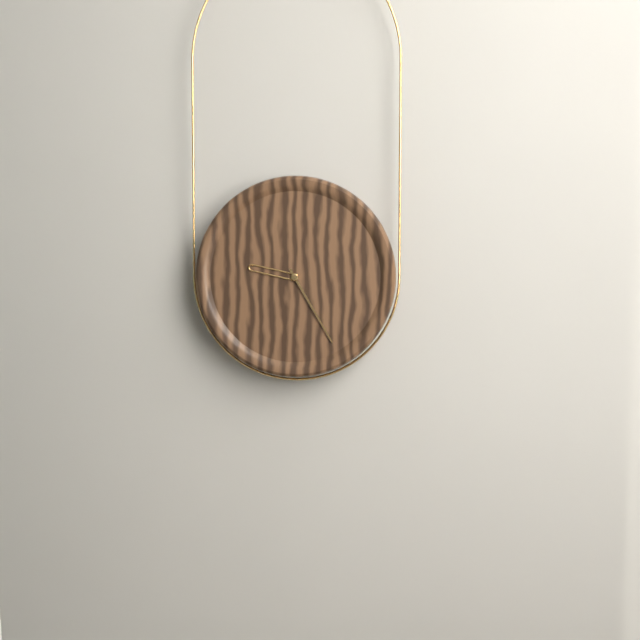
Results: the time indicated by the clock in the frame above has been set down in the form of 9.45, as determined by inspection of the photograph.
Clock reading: 9.25
